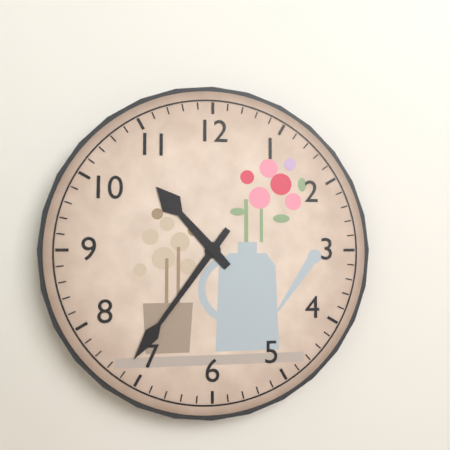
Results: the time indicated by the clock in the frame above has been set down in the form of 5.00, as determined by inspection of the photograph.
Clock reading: 10.36
